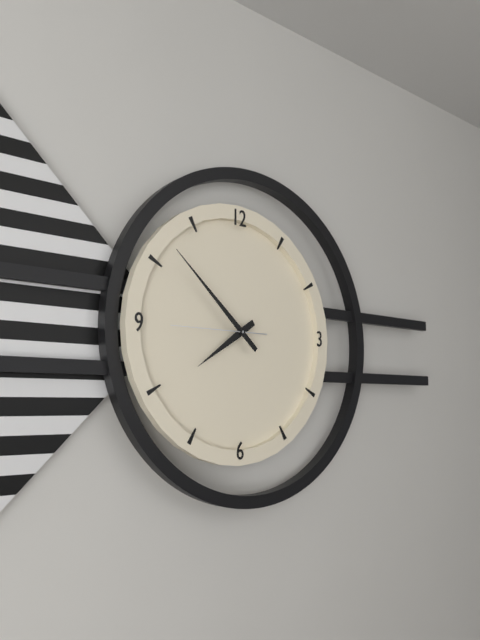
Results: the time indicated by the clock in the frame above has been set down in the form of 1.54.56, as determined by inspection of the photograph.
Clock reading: 7.52.45
